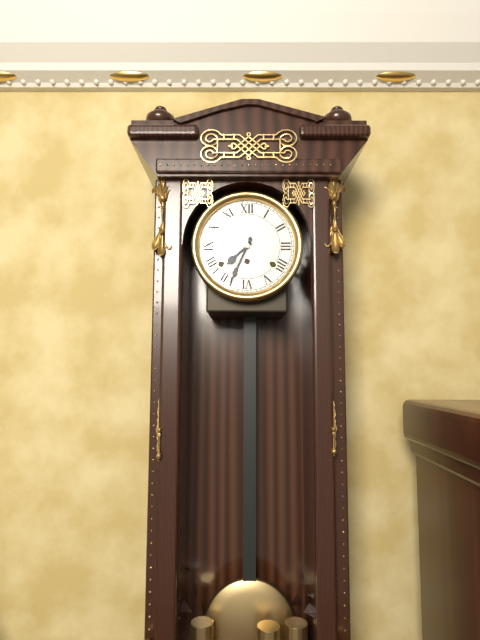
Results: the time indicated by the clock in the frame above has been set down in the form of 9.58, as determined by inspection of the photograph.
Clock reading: 7.34
